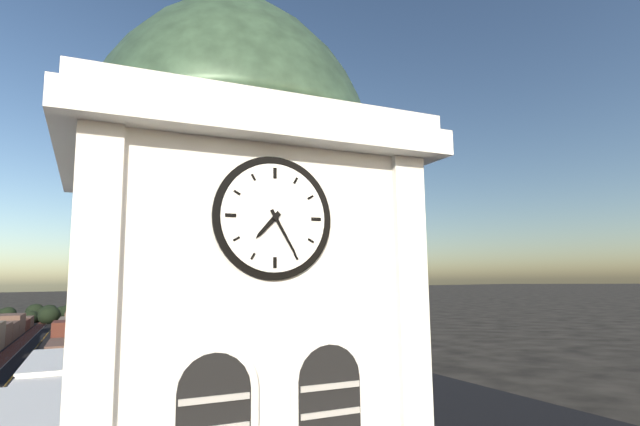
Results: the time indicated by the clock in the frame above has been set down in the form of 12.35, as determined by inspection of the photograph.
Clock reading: 7.25
